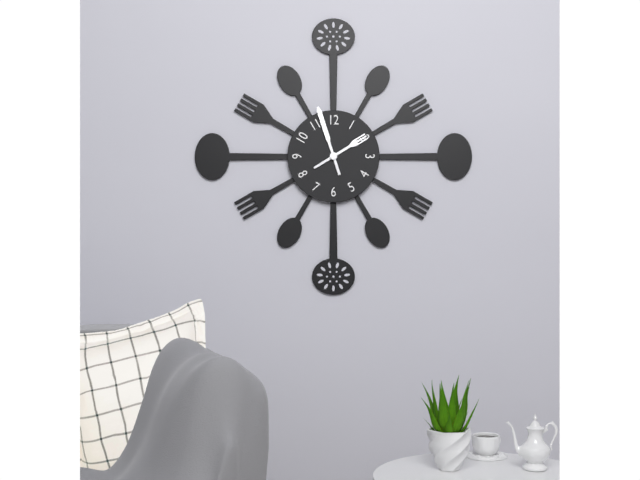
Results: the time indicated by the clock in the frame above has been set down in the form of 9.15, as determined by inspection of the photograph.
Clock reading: 1.57
